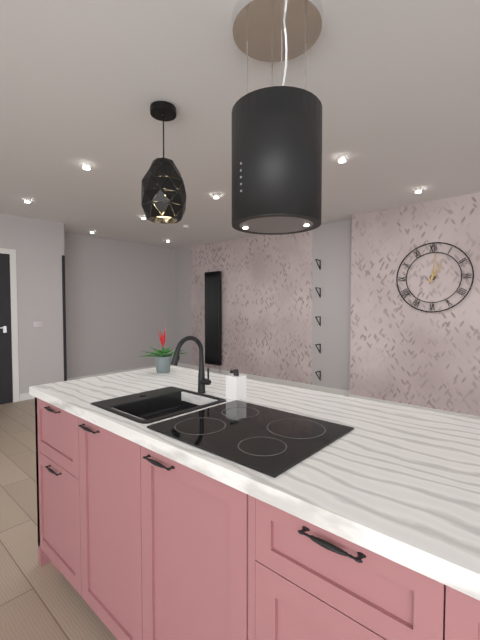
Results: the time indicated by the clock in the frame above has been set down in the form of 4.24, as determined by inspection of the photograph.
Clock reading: 1.01
